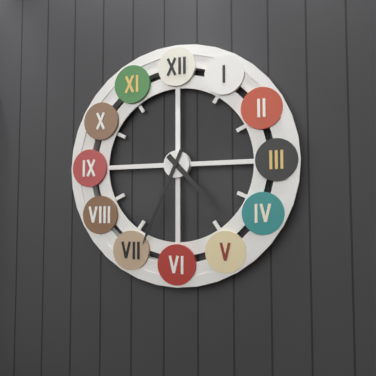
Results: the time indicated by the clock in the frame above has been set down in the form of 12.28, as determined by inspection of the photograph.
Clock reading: 4.34
